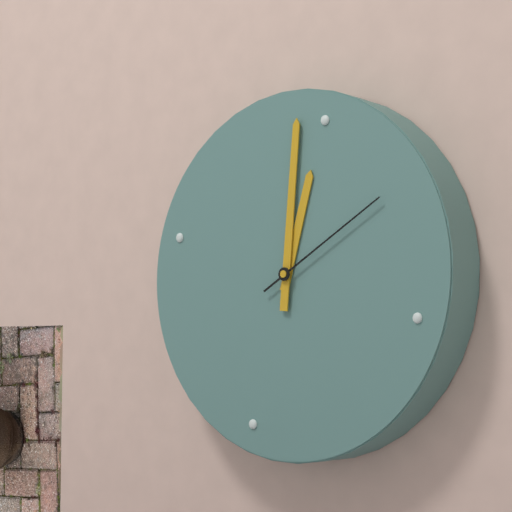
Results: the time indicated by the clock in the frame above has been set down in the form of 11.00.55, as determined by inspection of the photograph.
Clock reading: 11.58.07
